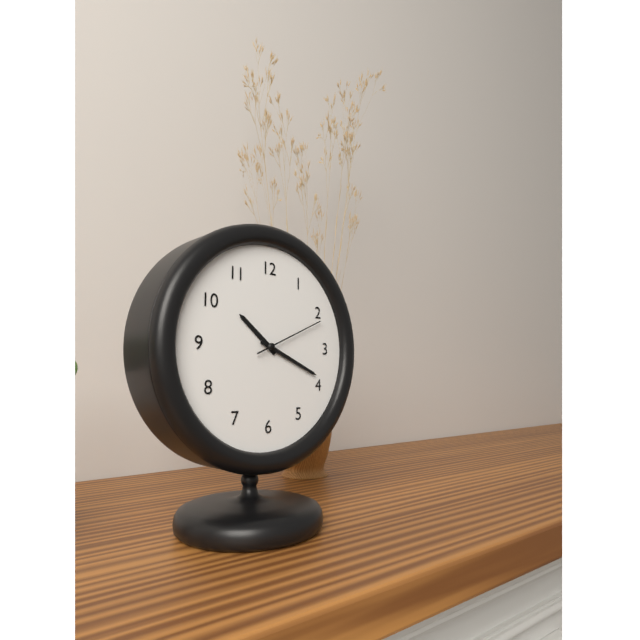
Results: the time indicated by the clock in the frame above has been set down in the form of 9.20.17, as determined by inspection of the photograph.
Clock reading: 10.19.11
